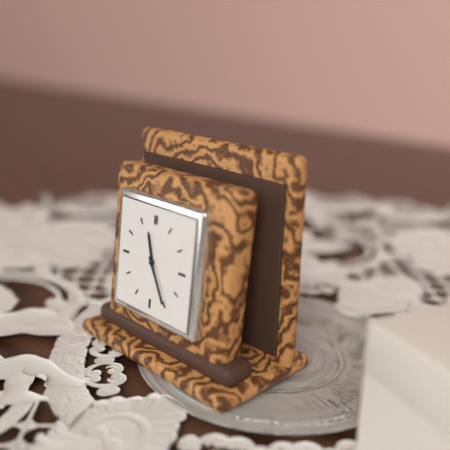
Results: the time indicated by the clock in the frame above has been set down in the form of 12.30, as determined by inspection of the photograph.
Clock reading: 11.25
